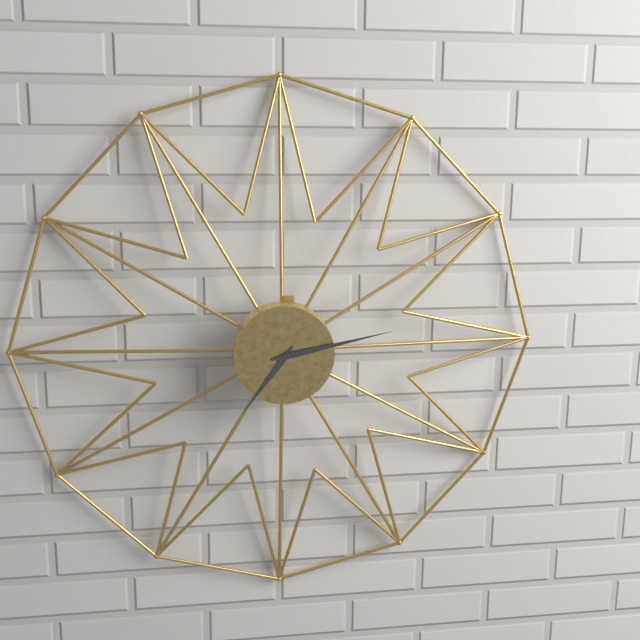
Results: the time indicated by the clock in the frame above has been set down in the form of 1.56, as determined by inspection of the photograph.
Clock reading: 7.13
